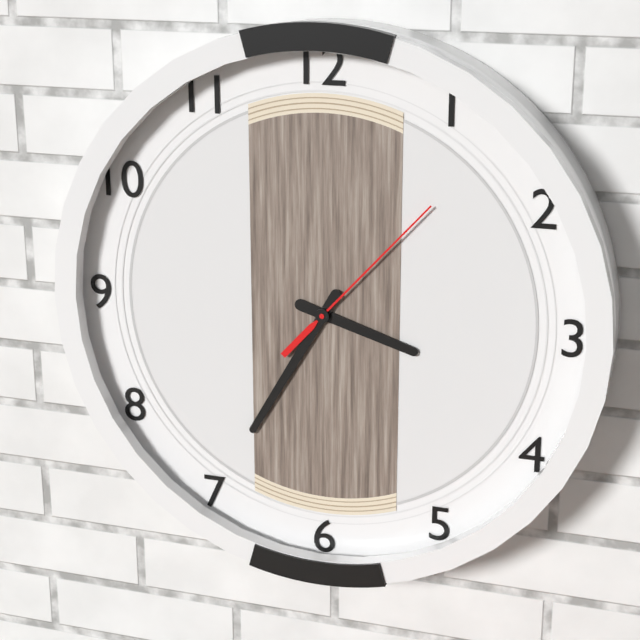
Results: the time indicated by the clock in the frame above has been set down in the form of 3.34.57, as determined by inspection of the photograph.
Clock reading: 3.35.07
